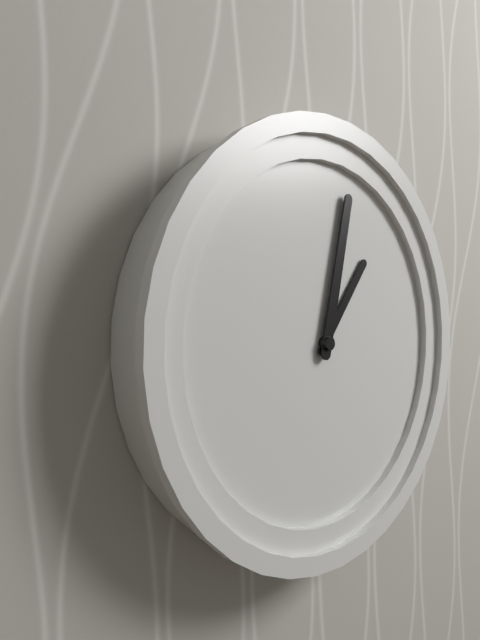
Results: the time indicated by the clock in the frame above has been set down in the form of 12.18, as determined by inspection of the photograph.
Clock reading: 1.01
